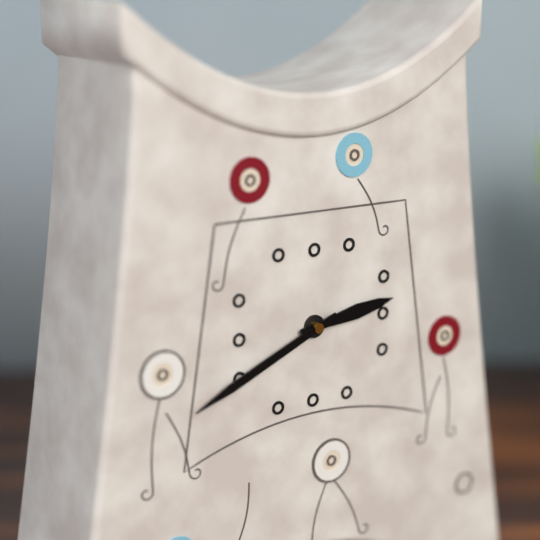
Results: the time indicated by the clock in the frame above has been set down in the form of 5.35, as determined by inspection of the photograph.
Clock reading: 2.41
